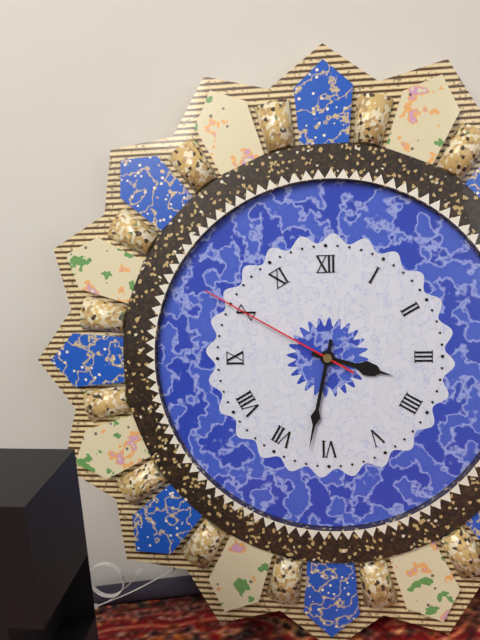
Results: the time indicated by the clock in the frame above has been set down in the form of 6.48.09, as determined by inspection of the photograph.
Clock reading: 3.32.50
